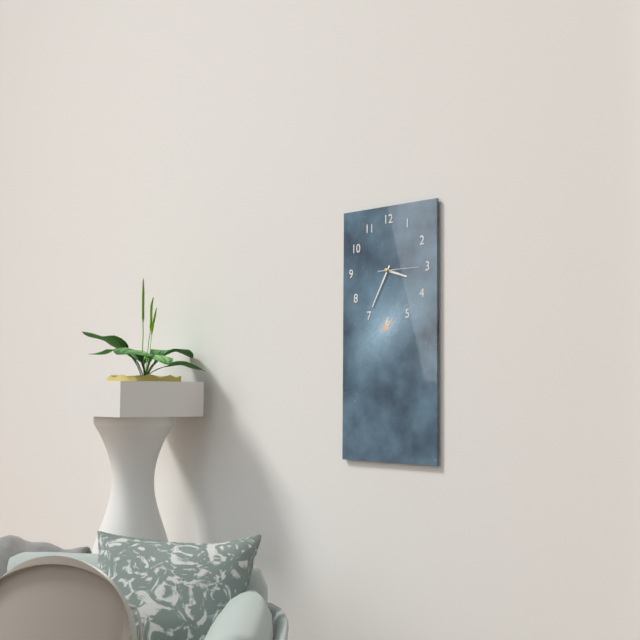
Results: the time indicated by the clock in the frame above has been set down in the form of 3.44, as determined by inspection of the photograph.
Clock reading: 3.35
